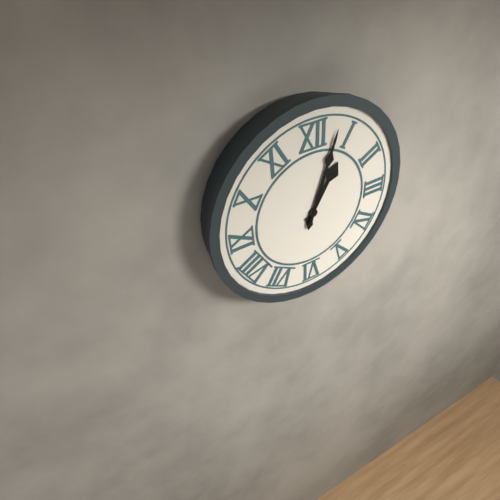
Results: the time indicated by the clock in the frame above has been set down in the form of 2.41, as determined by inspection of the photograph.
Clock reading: 1.03
